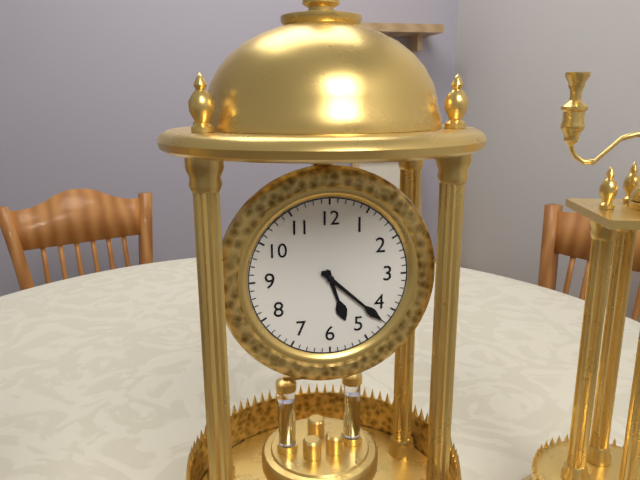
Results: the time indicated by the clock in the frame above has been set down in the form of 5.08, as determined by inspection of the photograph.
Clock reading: 5.22
